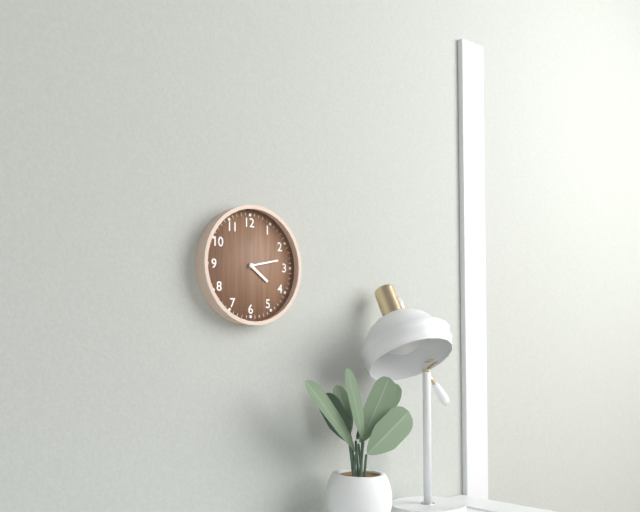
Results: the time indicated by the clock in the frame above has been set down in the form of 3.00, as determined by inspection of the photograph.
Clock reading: 4.13
